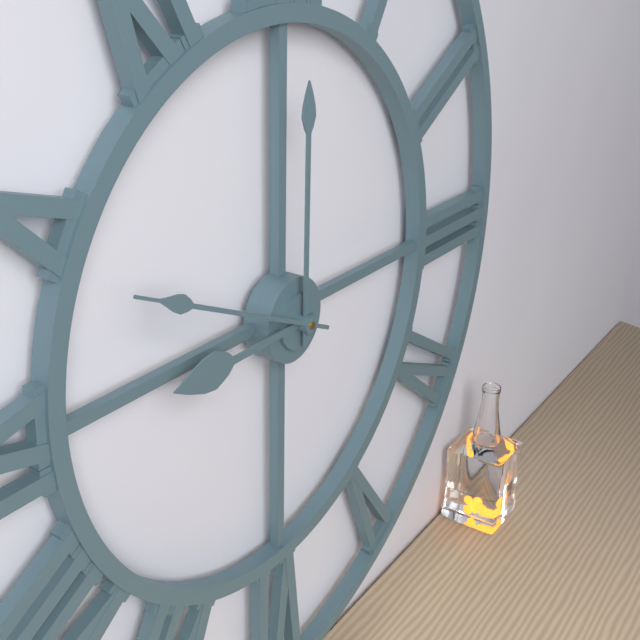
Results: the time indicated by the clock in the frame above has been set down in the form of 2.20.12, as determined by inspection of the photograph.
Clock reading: 9.00.49
